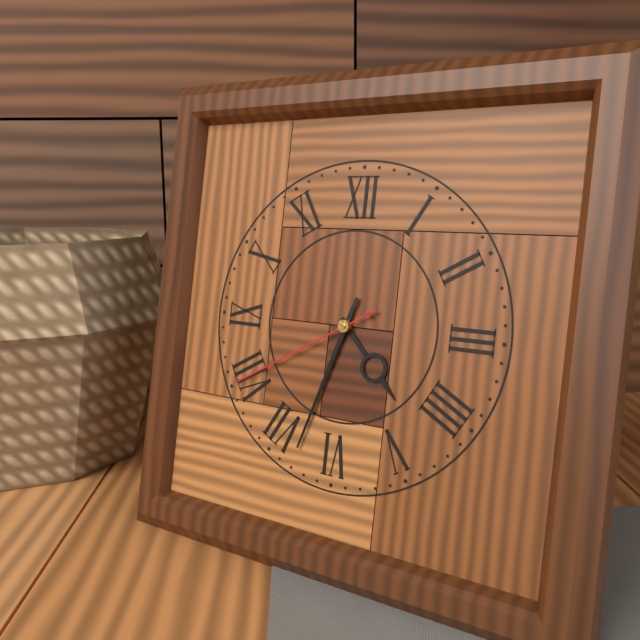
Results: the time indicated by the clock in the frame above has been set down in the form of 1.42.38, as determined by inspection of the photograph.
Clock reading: 4.33.40
